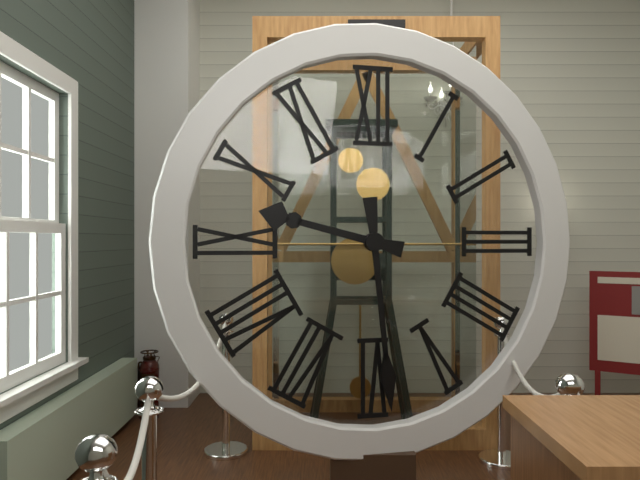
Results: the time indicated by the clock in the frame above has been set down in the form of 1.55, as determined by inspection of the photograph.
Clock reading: 9.29
